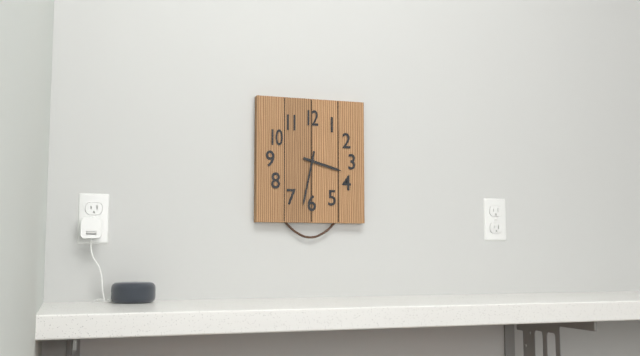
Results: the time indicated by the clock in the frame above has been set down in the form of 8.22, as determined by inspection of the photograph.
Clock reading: 3.32
